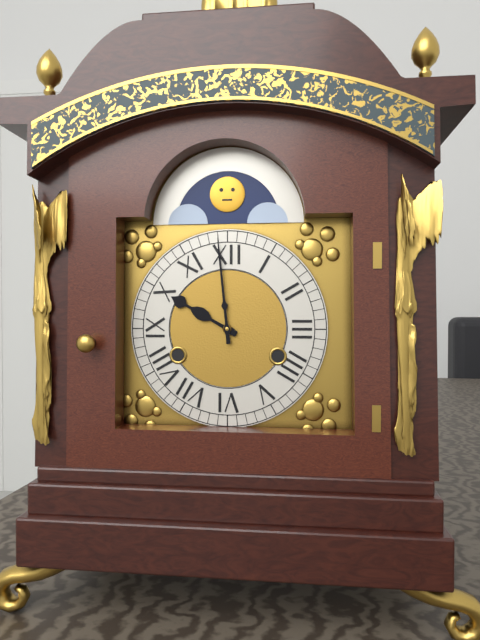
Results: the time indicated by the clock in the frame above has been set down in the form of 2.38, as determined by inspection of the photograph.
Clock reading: 9.59
